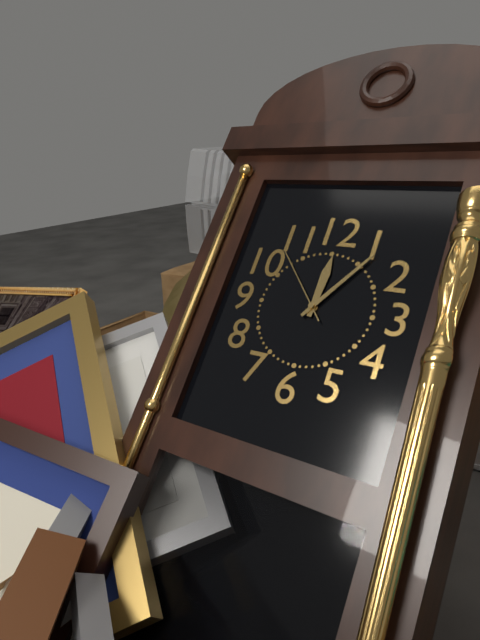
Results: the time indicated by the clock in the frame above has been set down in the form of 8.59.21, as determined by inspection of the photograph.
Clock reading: 12.06.53
